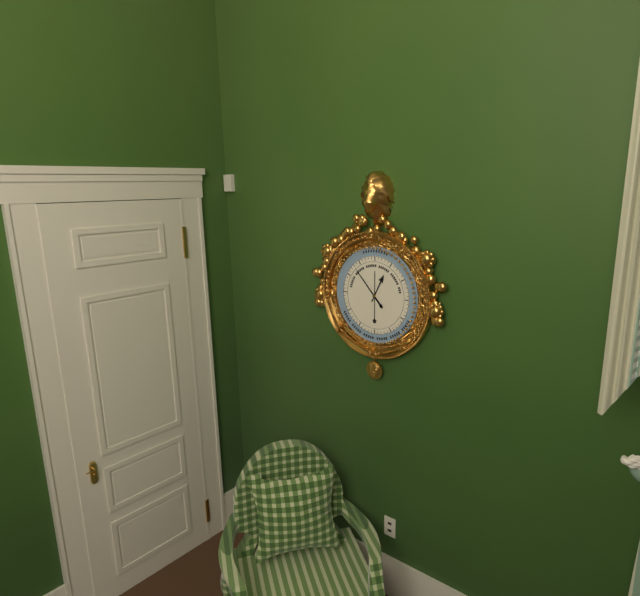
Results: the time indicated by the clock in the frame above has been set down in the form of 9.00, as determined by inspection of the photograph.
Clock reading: 12.53
